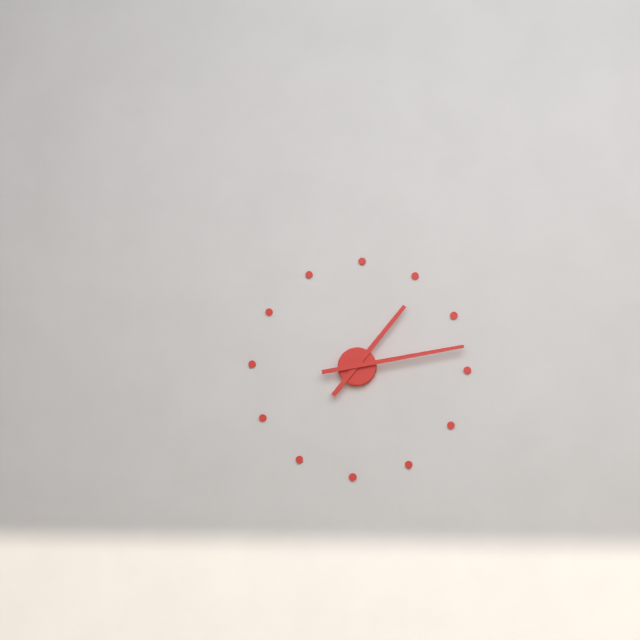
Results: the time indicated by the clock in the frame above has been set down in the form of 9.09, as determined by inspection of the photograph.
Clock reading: 1.13
